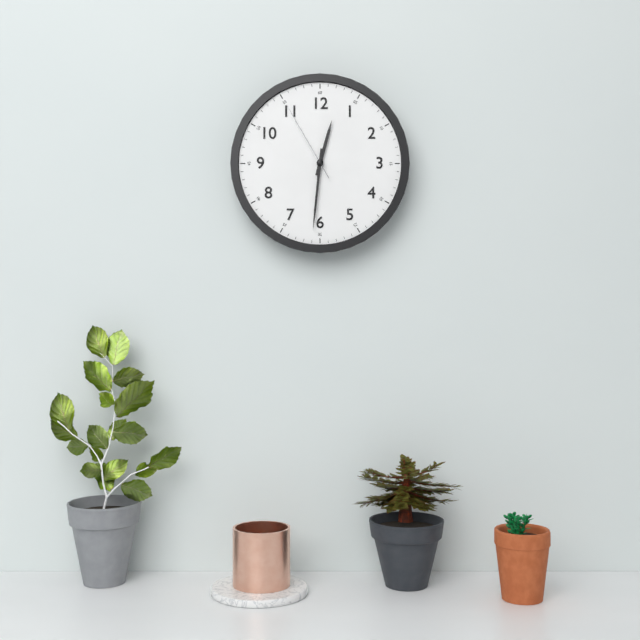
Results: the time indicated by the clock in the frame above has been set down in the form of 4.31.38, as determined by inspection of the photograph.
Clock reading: 12.31.55
